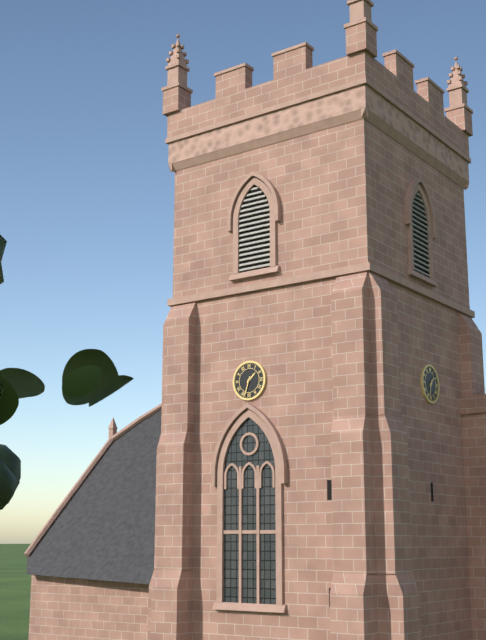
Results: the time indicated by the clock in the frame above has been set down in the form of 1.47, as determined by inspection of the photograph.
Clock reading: 1.33
